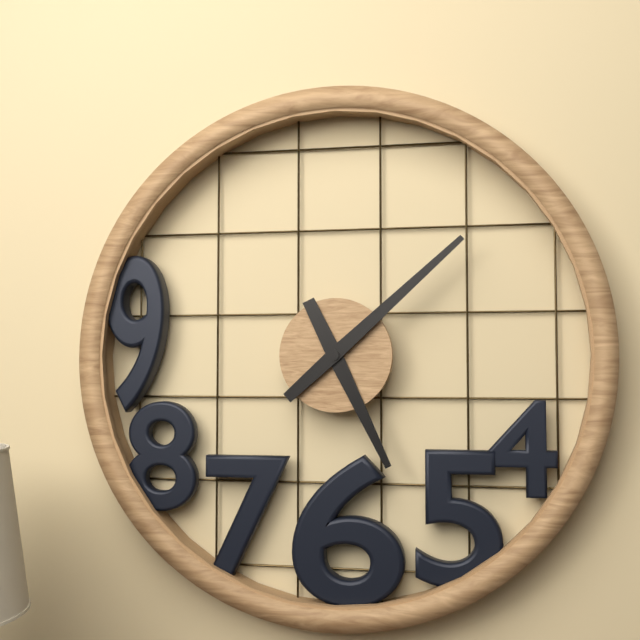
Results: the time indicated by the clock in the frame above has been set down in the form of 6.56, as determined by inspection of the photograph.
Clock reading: 5.08
